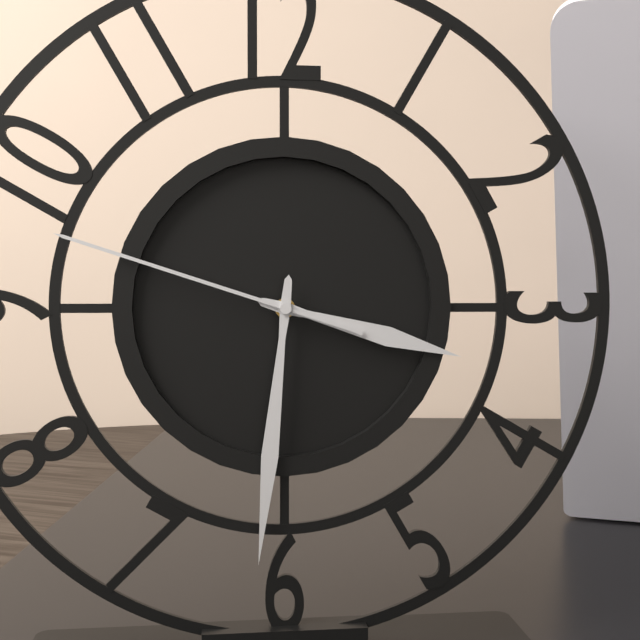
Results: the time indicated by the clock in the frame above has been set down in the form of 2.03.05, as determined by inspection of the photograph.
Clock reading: 3.31.48
